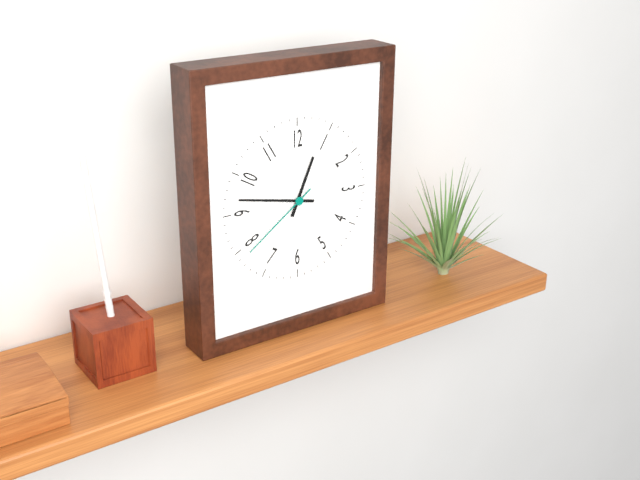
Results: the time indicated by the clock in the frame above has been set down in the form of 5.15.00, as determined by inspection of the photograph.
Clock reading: 12.47.39
